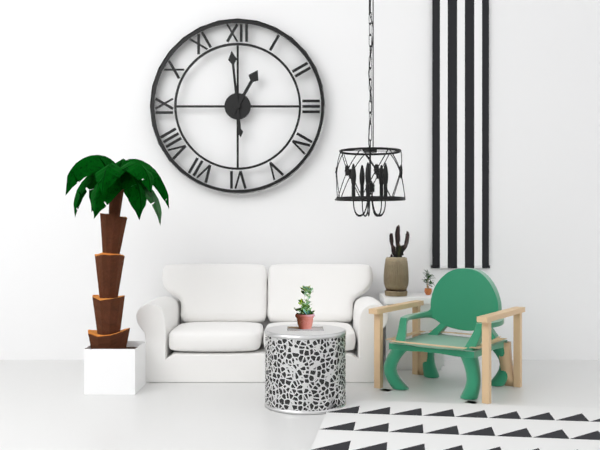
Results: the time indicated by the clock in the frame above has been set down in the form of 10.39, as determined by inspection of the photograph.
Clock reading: 12.59
